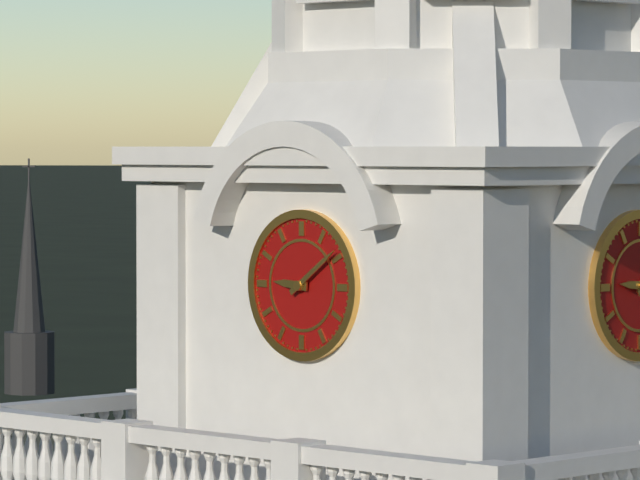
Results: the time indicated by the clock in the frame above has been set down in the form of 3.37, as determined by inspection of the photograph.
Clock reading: 9.09
